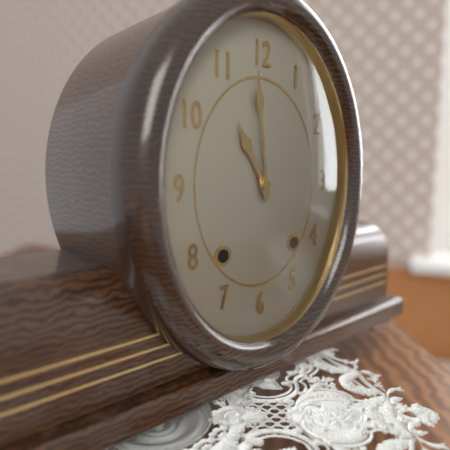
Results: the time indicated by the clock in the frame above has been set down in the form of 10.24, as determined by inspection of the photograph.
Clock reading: 10.59
